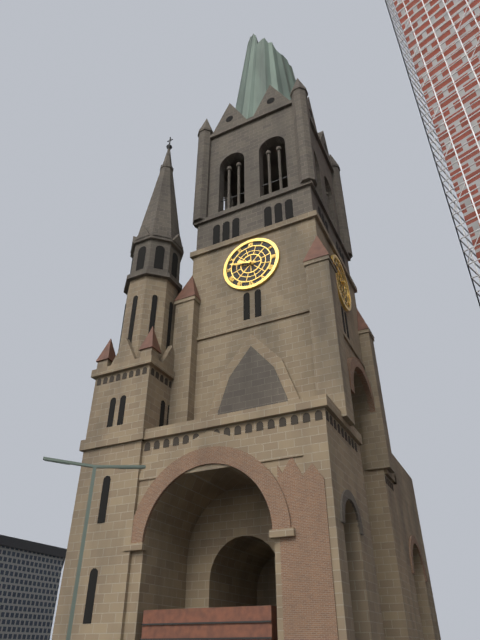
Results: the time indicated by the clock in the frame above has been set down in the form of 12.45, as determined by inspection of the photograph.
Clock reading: 9.47
